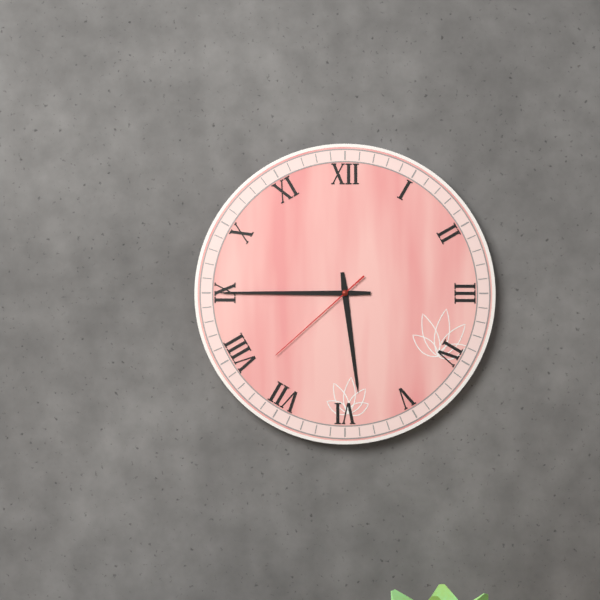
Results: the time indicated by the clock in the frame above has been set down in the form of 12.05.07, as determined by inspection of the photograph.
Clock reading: 5.45.38
